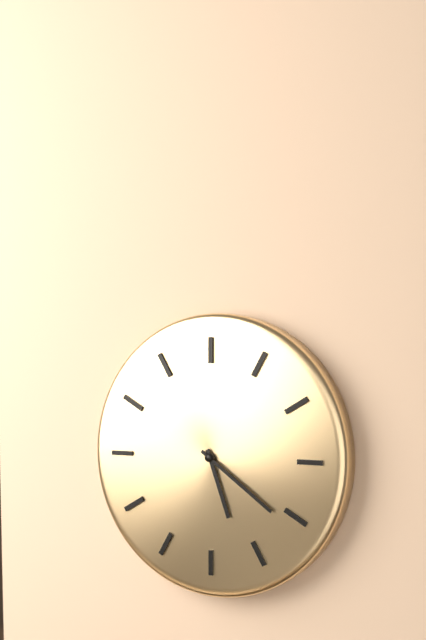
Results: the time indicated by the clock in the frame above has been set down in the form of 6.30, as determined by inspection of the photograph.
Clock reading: 5.21
